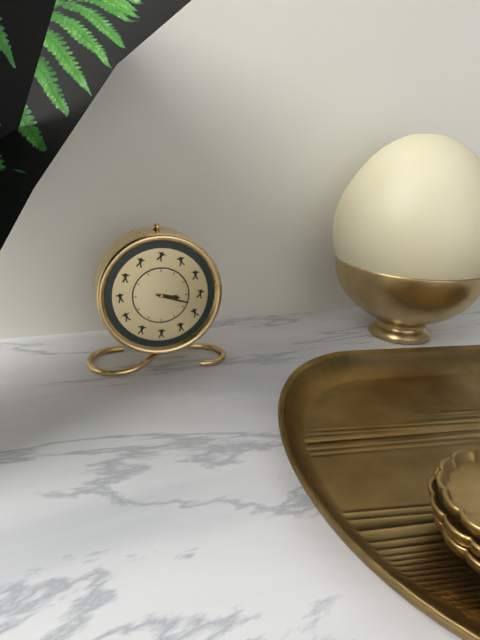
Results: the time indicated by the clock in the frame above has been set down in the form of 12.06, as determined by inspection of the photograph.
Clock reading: 3.18
